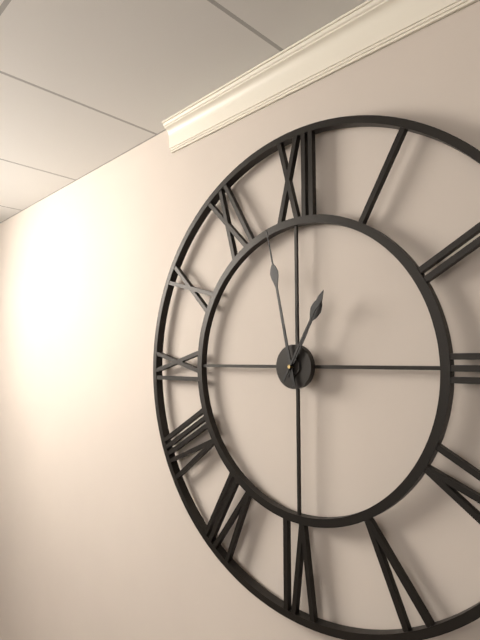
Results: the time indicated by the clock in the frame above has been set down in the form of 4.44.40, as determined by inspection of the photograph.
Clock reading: 12.58.05
